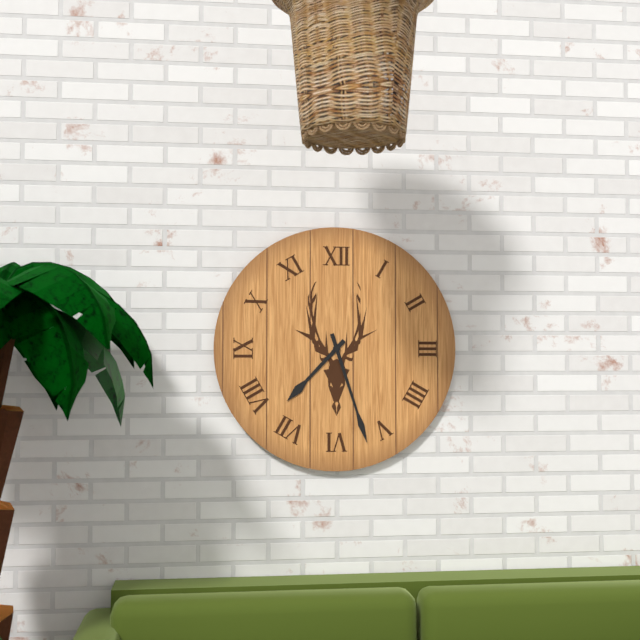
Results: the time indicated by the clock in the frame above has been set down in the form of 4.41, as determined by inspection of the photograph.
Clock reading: 7.27
